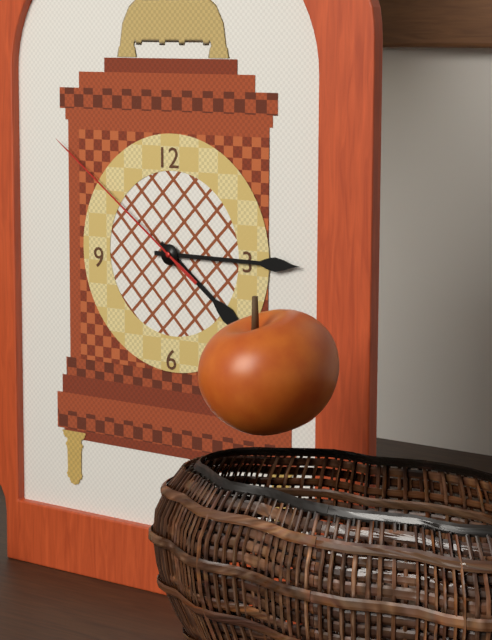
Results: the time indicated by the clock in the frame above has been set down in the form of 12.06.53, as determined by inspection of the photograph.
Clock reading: 4.15.51
